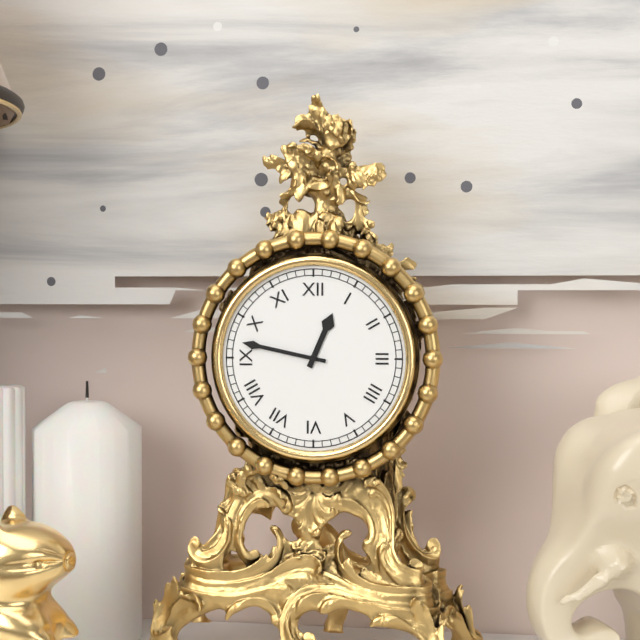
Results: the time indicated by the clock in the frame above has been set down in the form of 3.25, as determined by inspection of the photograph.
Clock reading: 12.47
